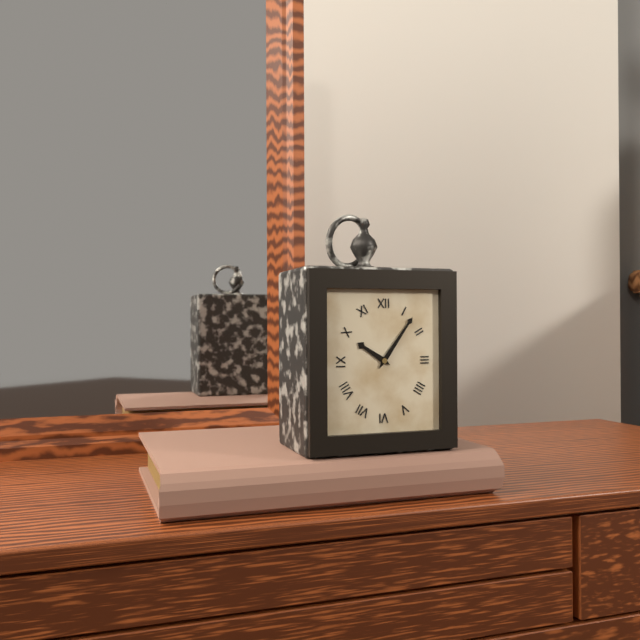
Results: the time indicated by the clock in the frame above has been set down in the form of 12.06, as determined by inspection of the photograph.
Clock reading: 10.06
